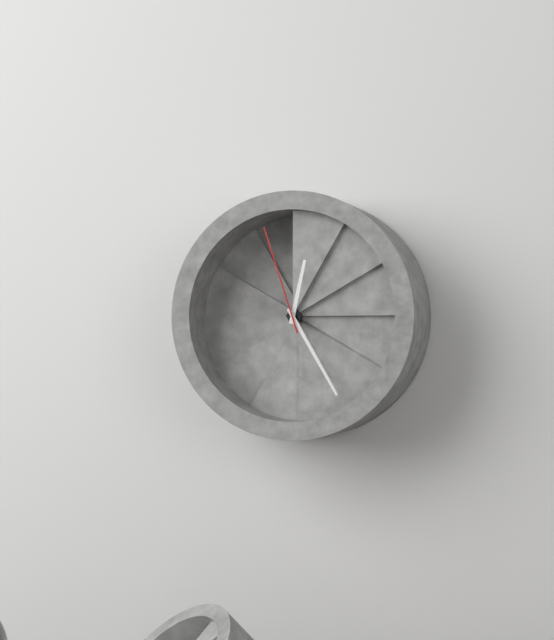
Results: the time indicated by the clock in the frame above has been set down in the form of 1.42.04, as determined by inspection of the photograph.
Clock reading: 12.25.57
